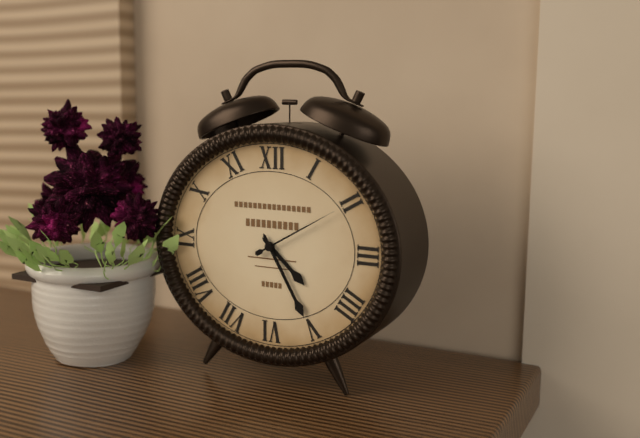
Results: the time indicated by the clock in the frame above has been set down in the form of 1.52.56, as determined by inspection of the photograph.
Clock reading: 4.25.10
